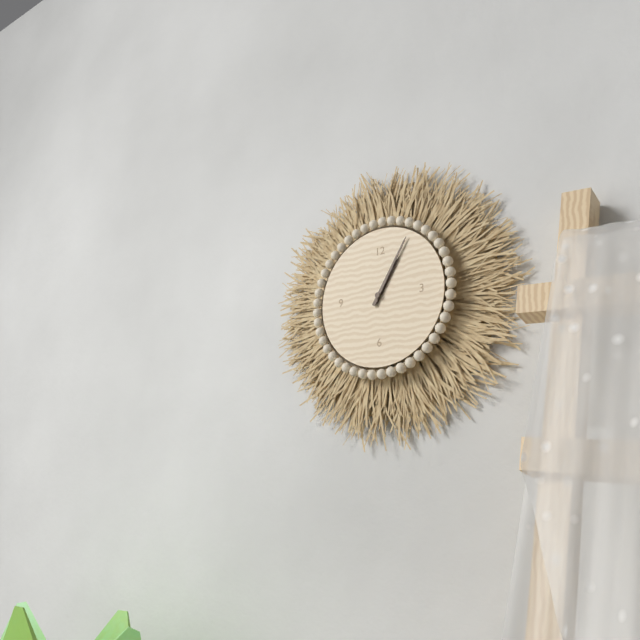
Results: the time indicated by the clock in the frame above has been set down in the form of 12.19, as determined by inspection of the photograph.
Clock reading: 1.05
